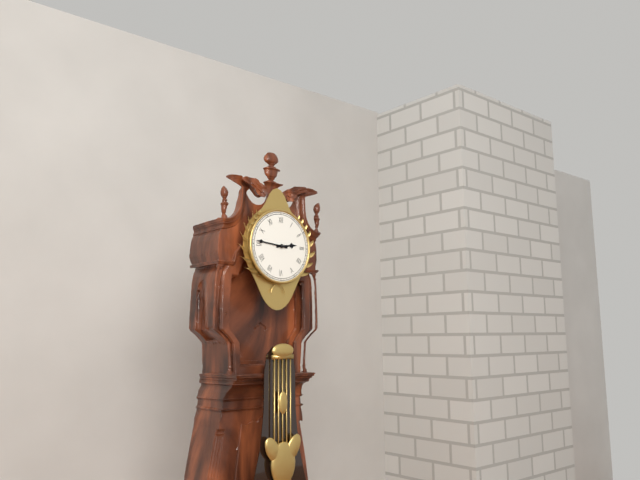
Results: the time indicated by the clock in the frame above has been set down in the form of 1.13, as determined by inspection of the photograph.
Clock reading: 2.46
